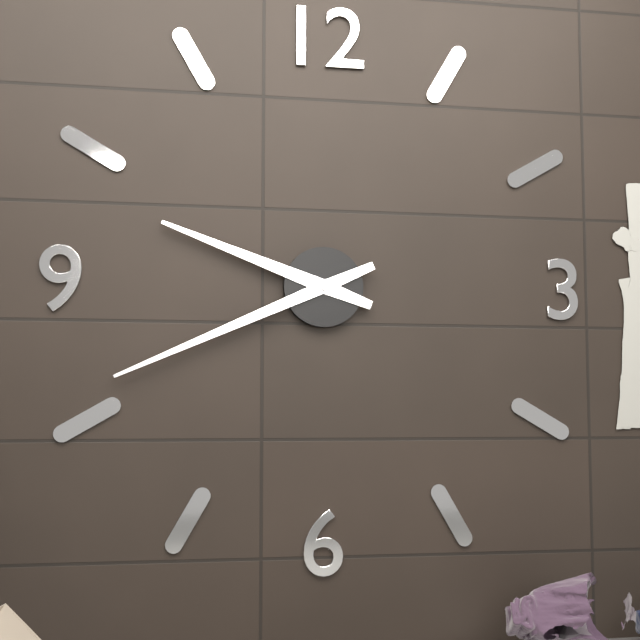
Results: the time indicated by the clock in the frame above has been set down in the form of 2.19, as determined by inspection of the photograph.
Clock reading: 9.41
